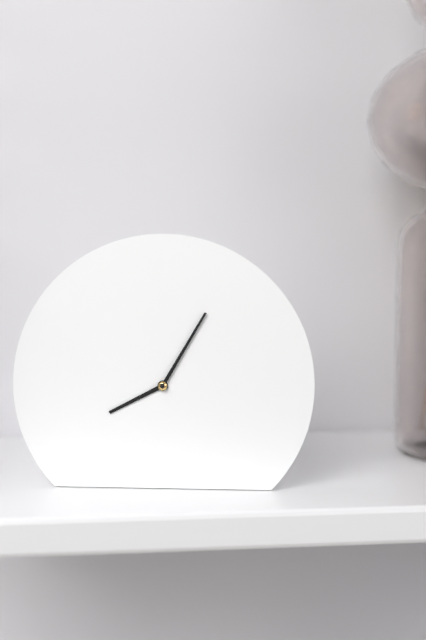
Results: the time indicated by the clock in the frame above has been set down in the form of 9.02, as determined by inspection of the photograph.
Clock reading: 8.05
